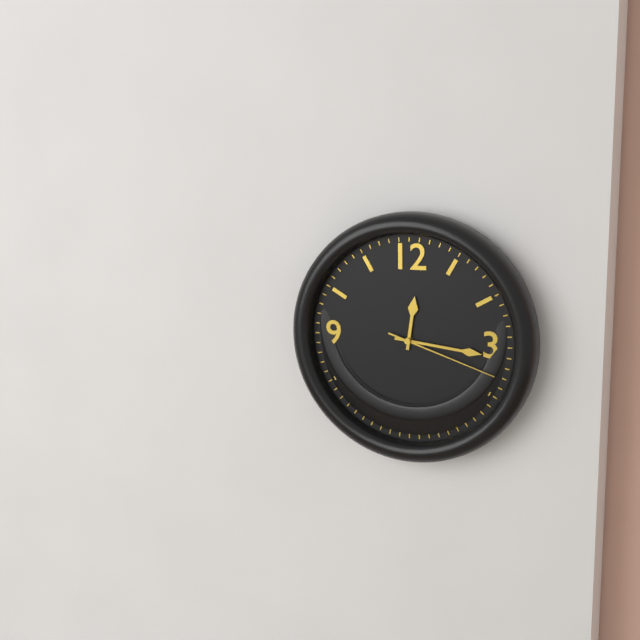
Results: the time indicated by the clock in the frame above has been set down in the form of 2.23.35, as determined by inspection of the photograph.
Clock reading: 12.16.18
